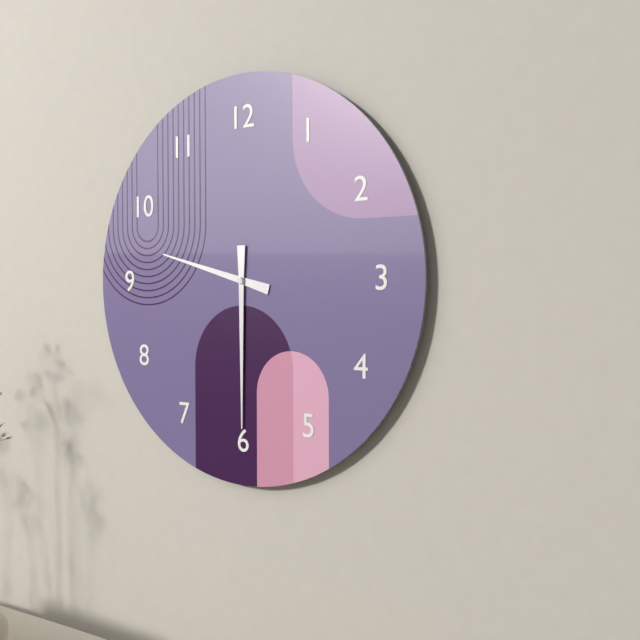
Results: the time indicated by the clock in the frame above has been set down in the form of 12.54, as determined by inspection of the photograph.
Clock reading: 9.30
